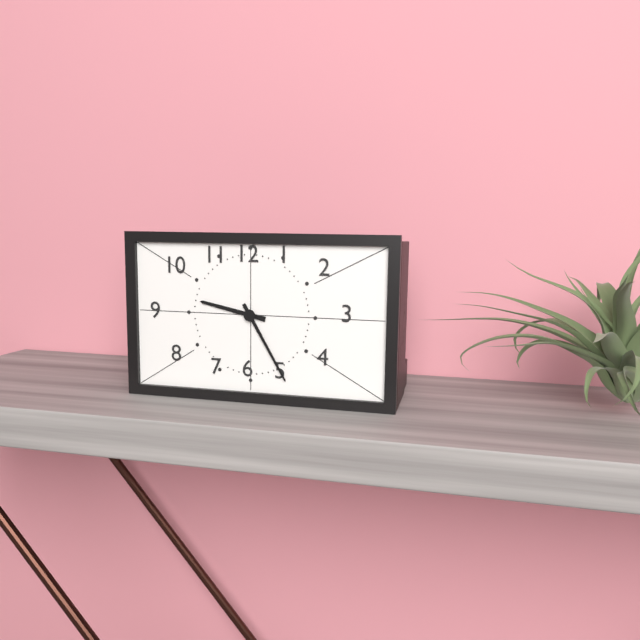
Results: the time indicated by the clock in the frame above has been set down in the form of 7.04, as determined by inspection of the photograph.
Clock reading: 9.25
